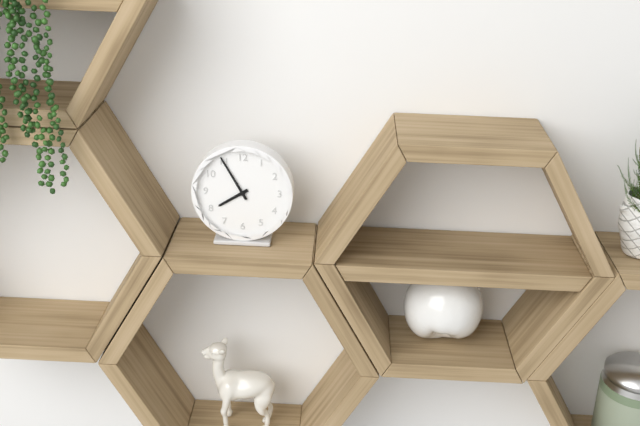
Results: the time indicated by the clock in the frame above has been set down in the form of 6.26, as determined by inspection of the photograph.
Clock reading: 7.55
